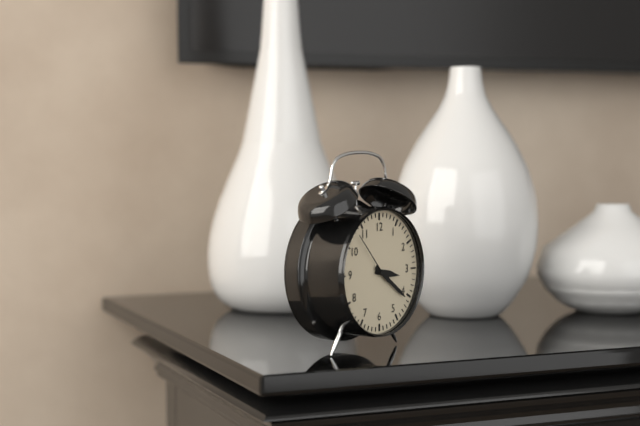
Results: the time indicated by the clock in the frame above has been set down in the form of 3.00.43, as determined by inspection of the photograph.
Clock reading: 3.21.53
